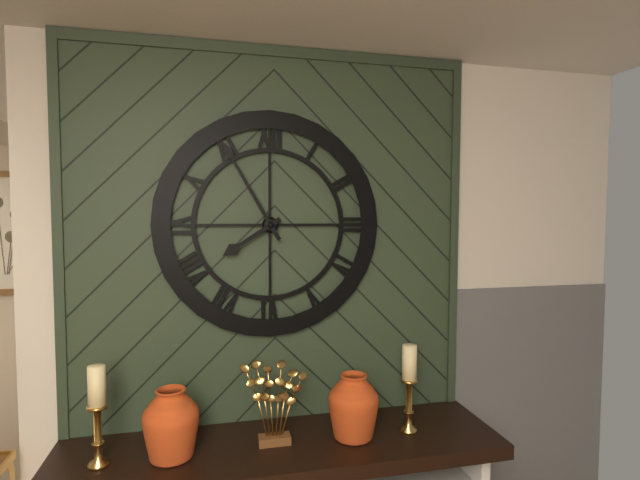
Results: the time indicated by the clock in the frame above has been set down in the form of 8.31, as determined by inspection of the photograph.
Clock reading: 7.55
